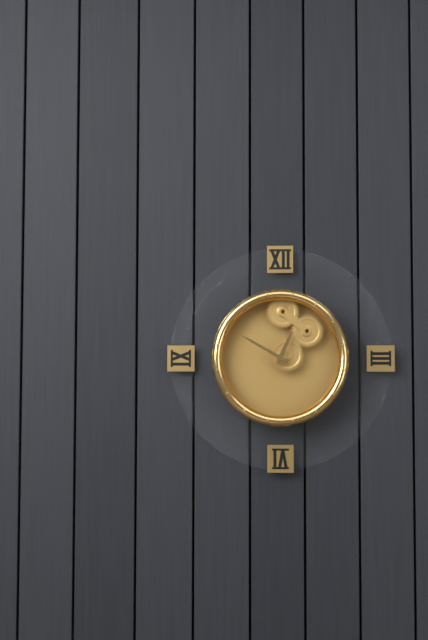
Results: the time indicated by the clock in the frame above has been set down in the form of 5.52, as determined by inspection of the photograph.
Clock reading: 12.50
